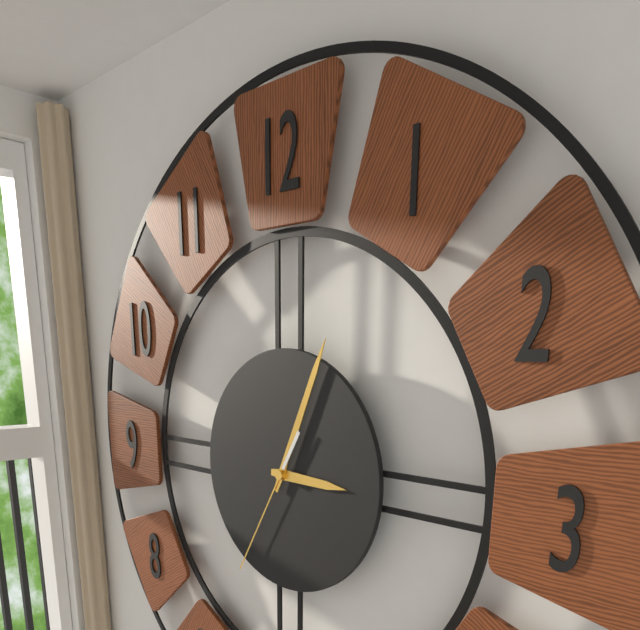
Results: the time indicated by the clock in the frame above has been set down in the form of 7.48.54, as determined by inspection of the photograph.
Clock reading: 3.04.35
